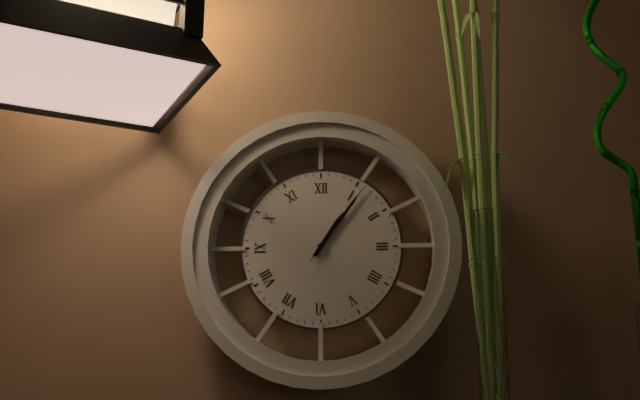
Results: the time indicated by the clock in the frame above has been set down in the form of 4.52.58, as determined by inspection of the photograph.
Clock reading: 1.06.06
